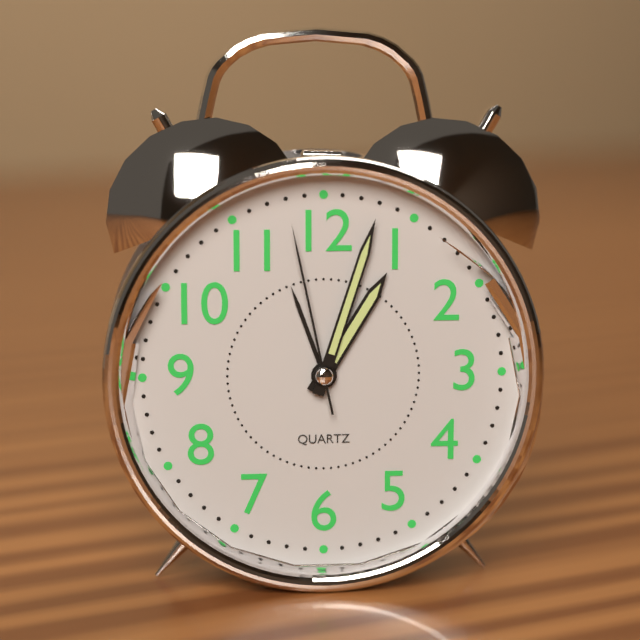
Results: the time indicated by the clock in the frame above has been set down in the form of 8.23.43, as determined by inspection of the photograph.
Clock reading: 1.03.58
